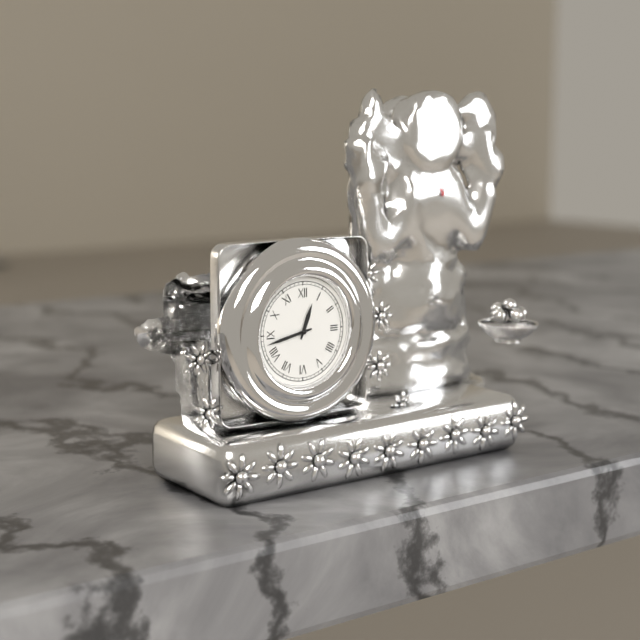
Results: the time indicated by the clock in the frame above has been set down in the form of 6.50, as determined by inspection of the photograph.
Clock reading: 12.43
